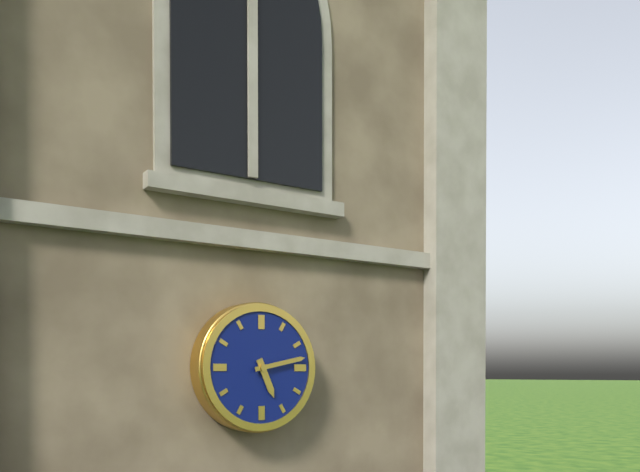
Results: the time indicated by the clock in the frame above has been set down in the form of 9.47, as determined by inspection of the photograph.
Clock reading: 5.13
